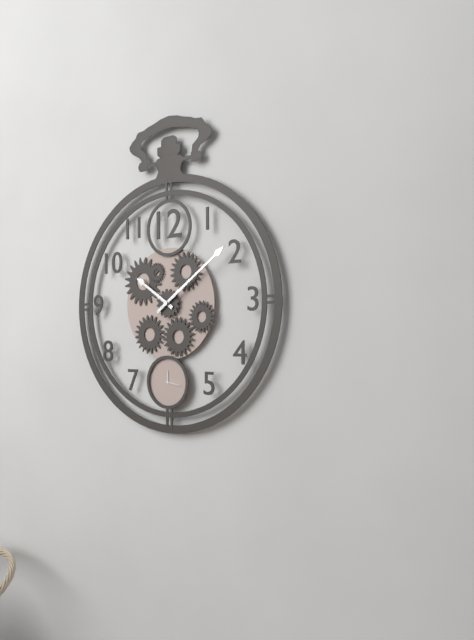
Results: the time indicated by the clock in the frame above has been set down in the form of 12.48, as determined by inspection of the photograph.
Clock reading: 10.09
